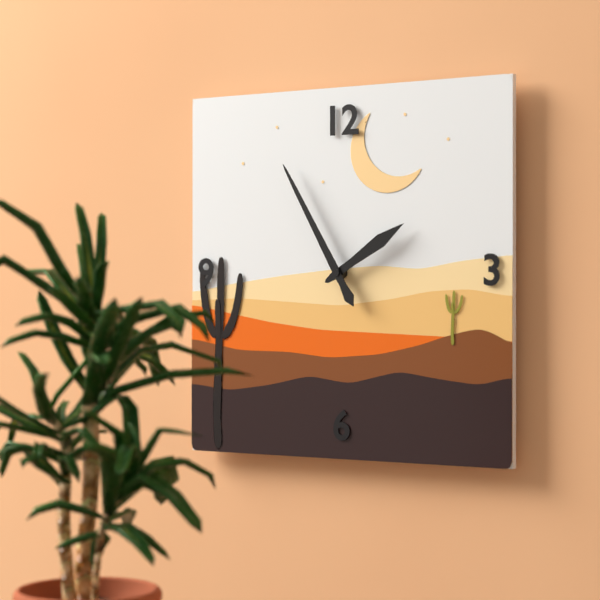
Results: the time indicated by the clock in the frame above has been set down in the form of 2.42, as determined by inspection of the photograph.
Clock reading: 1.55
